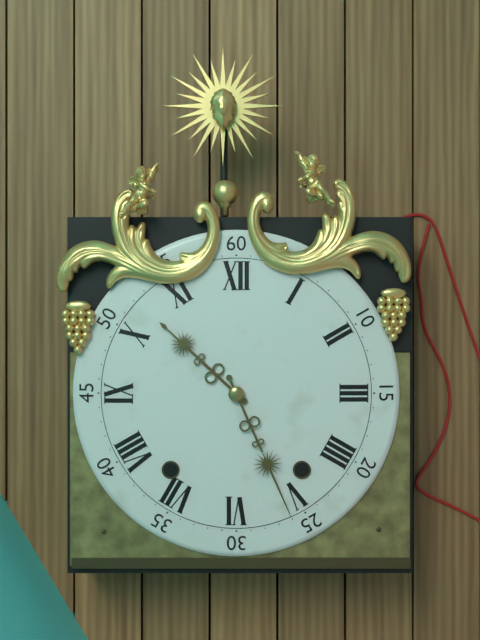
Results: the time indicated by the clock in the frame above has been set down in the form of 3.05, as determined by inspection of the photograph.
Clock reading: 10.26
